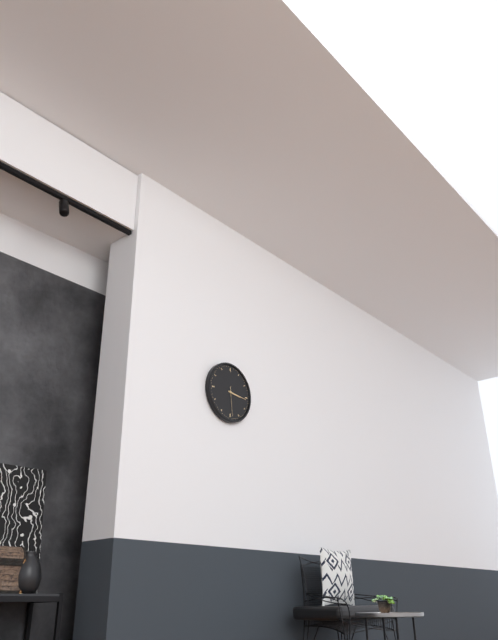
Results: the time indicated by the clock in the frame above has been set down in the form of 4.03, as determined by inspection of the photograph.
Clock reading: 3.16
